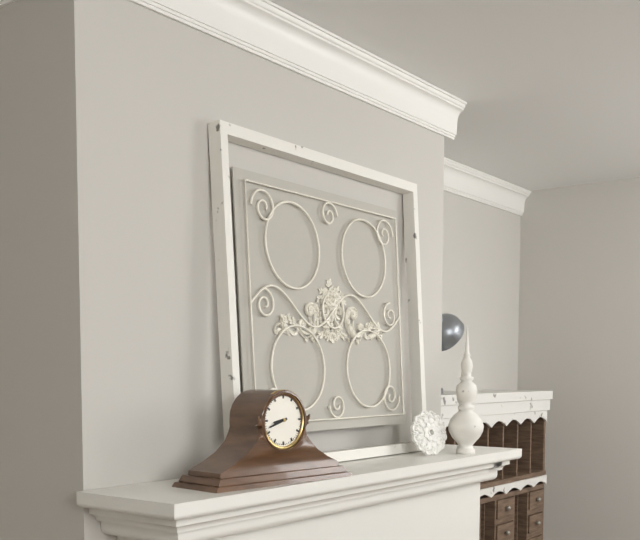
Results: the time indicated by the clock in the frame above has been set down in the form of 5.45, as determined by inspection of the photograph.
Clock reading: 8.42
